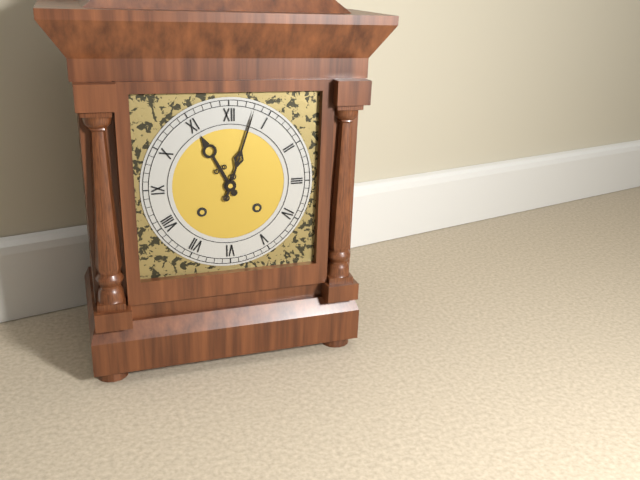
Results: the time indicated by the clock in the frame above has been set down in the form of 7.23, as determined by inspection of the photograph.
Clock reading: 11.03
